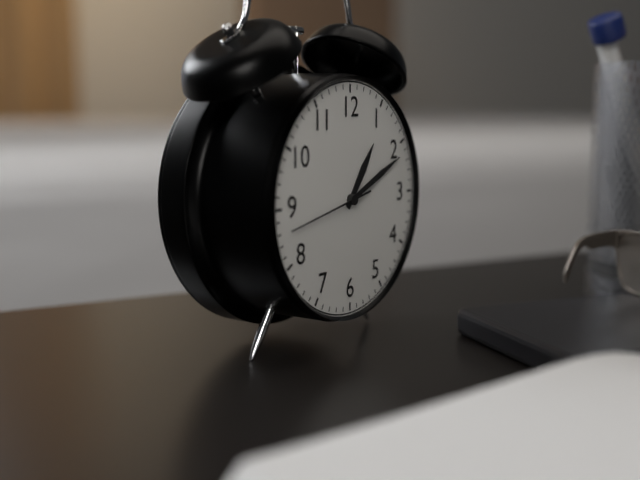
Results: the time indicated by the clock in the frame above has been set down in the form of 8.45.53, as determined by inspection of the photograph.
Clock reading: 1.11.43
